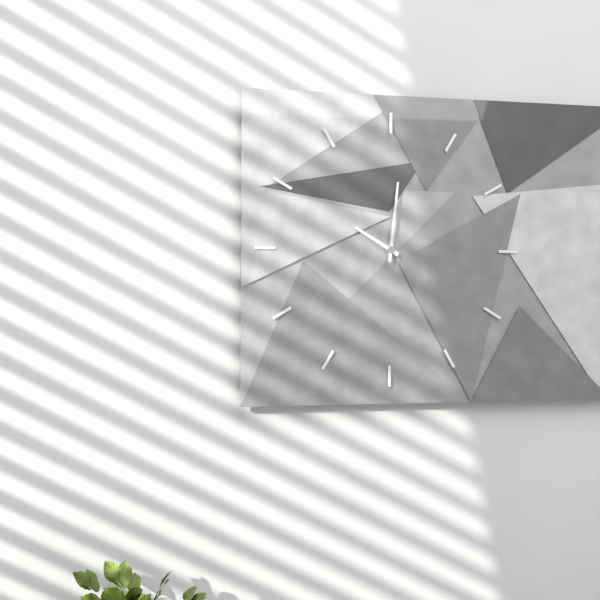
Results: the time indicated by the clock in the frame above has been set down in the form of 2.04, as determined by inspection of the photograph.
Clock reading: 10.01
